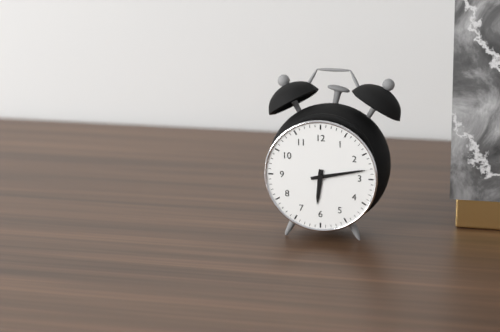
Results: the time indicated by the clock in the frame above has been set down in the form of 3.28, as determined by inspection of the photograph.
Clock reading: 6.13
